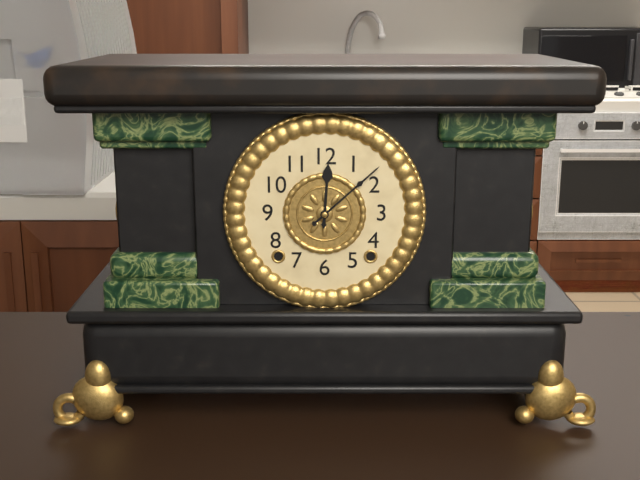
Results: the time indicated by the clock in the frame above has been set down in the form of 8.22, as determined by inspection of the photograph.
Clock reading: 12.08
